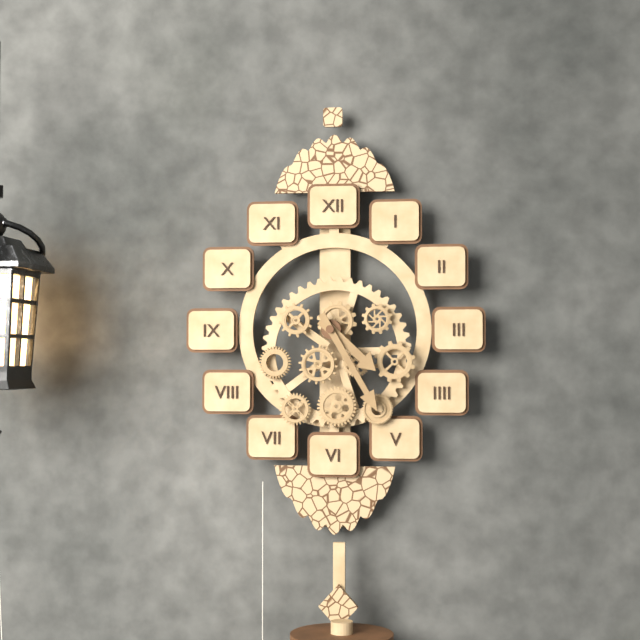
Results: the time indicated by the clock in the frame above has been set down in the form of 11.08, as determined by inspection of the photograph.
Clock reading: 4.25
